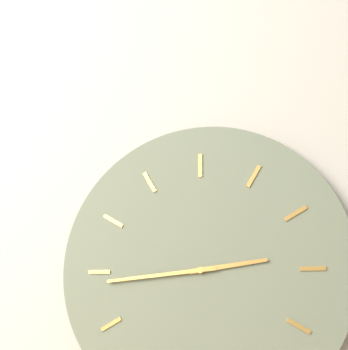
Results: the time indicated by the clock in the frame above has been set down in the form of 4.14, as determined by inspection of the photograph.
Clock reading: 2.44
